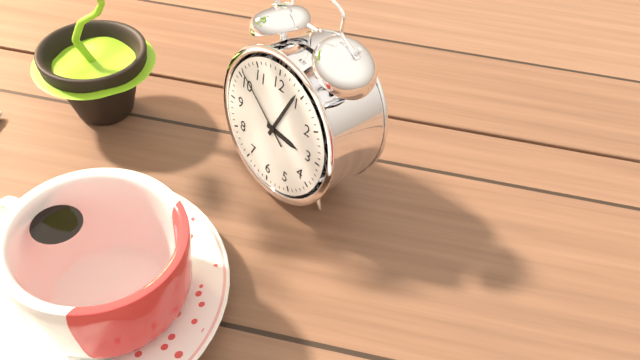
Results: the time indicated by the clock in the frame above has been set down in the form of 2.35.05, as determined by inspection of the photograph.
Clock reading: 3.04.51
